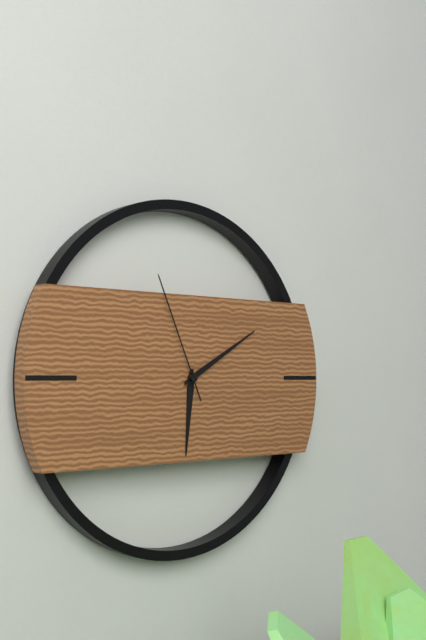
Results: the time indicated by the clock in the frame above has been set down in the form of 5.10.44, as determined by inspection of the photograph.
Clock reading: 6.10.56
